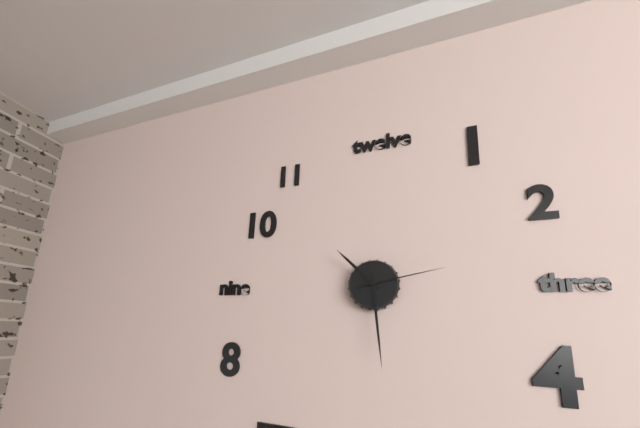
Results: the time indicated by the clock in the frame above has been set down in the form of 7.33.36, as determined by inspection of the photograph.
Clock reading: 10.29.13
